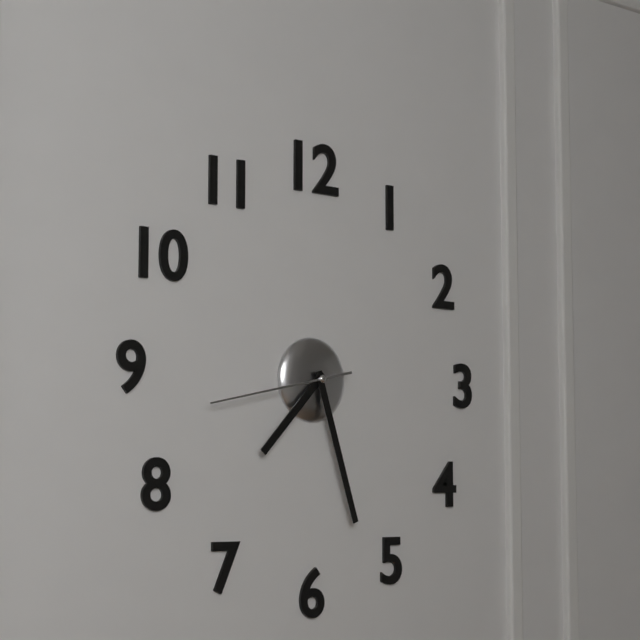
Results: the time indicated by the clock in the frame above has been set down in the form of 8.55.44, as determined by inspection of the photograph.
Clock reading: 7.27.43
